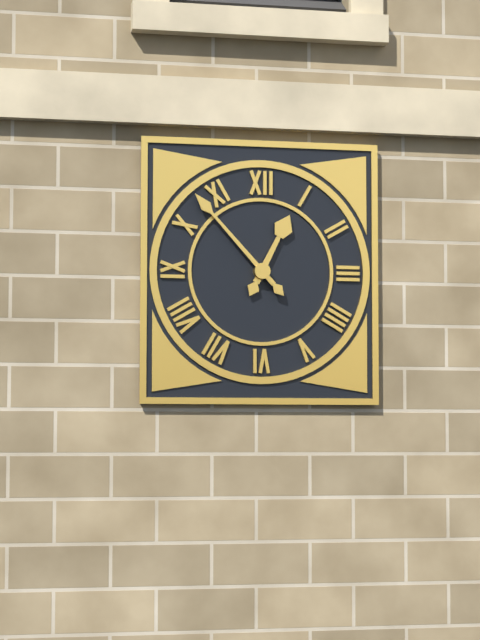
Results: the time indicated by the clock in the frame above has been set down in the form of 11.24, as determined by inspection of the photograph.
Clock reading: 12.53
